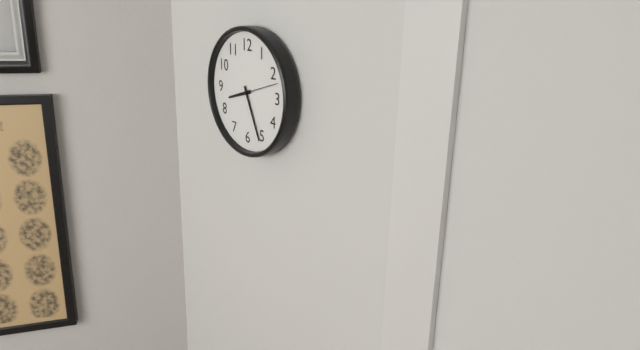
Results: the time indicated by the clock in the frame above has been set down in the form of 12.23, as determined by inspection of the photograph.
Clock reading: 8.26
